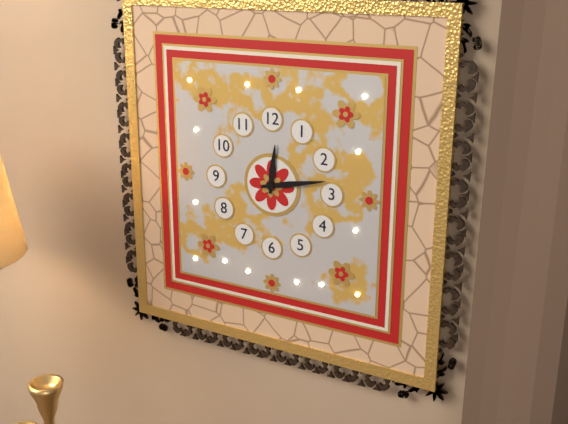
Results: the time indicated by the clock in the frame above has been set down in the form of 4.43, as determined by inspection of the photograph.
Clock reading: 12.13
